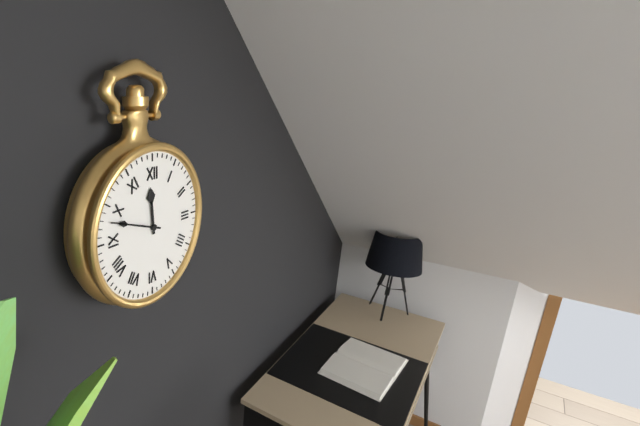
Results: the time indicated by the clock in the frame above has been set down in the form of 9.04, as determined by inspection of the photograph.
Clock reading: 11.48
